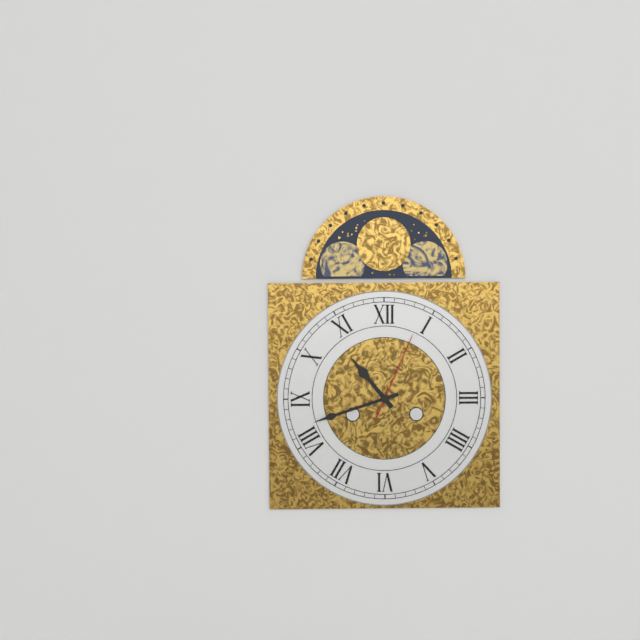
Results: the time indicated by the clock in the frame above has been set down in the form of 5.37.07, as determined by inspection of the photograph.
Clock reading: 10.42.04
